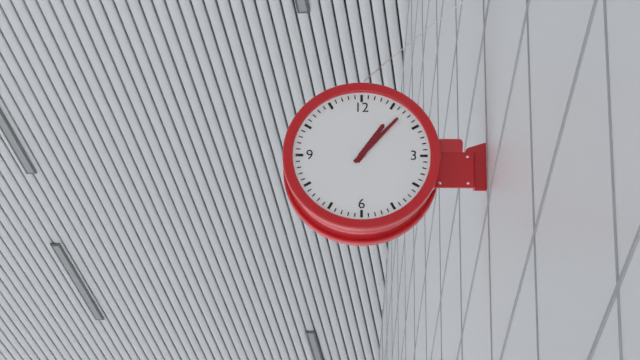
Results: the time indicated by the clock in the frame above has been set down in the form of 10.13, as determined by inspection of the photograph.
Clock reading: 1.07
